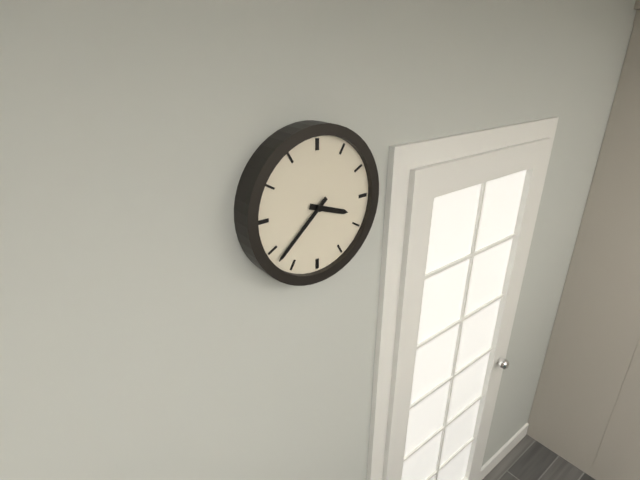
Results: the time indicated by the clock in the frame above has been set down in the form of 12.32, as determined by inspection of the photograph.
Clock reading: 3.38
